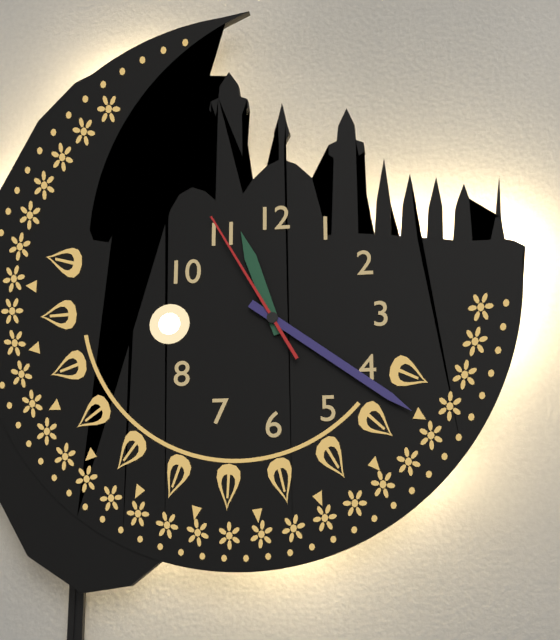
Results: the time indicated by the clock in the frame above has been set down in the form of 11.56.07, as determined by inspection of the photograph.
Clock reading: 11.21.55
